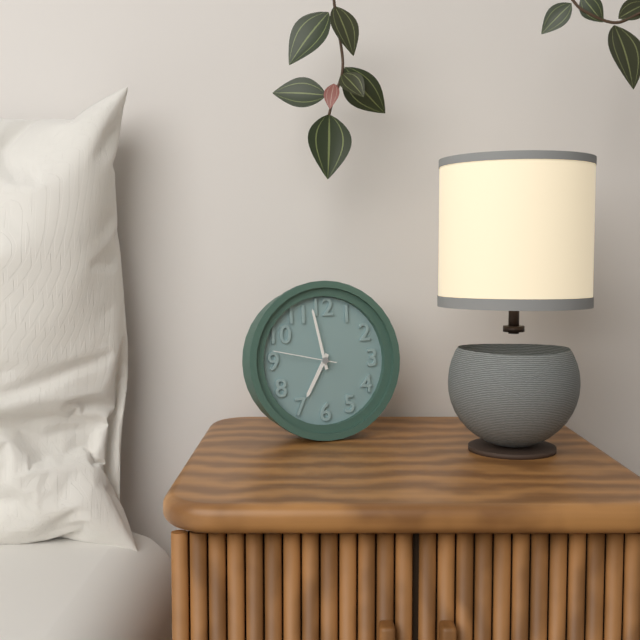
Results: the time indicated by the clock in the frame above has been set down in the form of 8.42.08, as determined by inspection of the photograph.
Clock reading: 6.58.47
